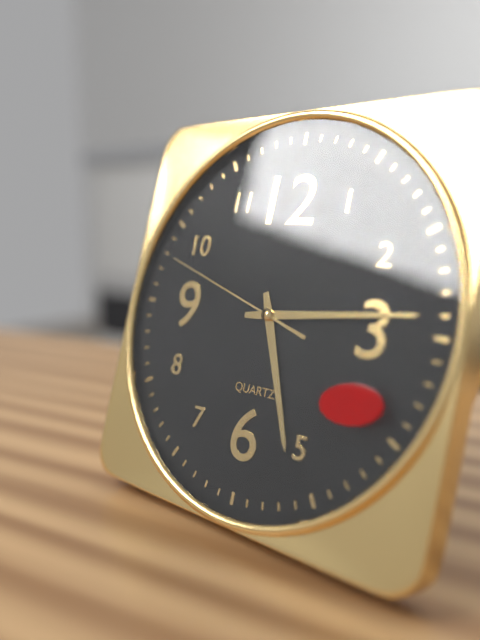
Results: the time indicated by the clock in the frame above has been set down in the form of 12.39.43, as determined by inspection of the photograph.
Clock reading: 5.14.48
